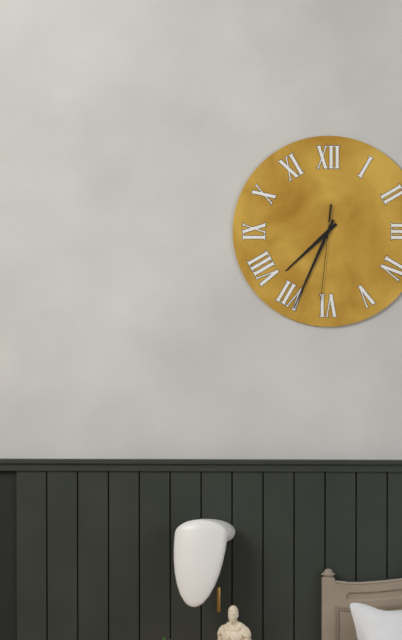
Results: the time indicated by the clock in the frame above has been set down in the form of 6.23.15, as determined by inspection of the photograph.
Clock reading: 7.34.31
